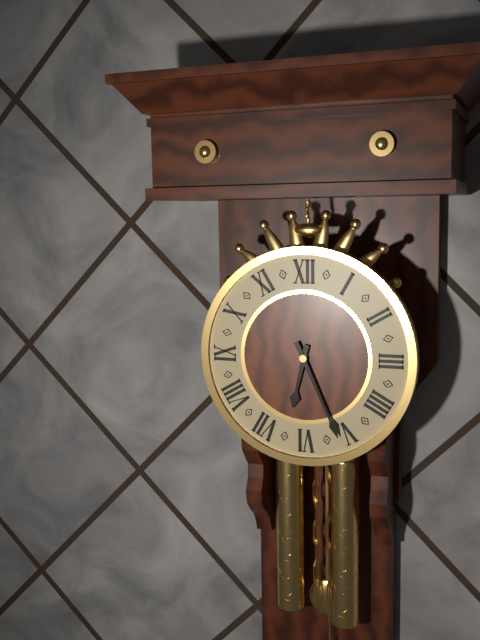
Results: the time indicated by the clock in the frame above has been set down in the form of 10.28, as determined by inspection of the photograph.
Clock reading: 6.26
